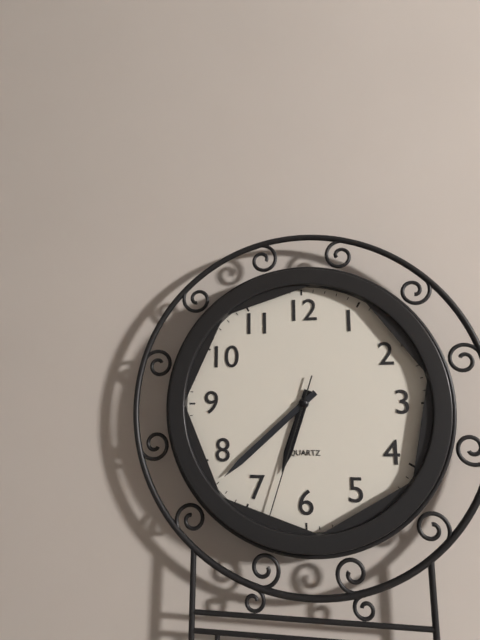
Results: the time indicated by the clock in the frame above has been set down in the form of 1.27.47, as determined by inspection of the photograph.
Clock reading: 6.38.33
